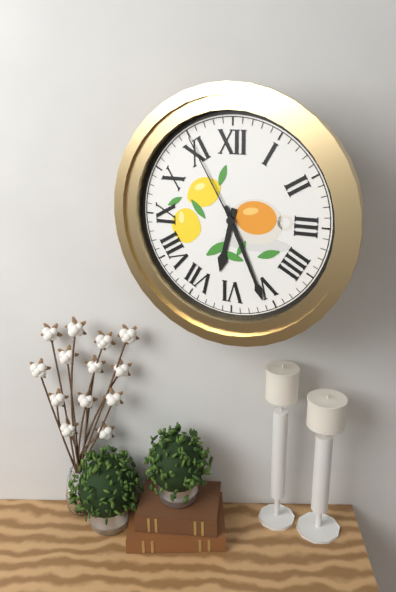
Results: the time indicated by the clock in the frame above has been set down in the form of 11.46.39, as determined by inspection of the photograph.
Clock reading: 6.26.55
